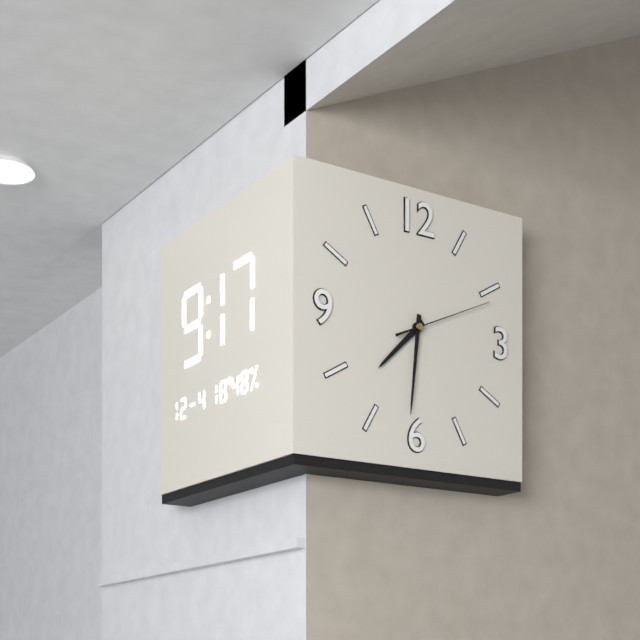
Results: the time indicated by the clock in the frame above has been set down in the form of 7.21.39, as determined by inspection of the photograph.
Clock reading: 7.31.11
